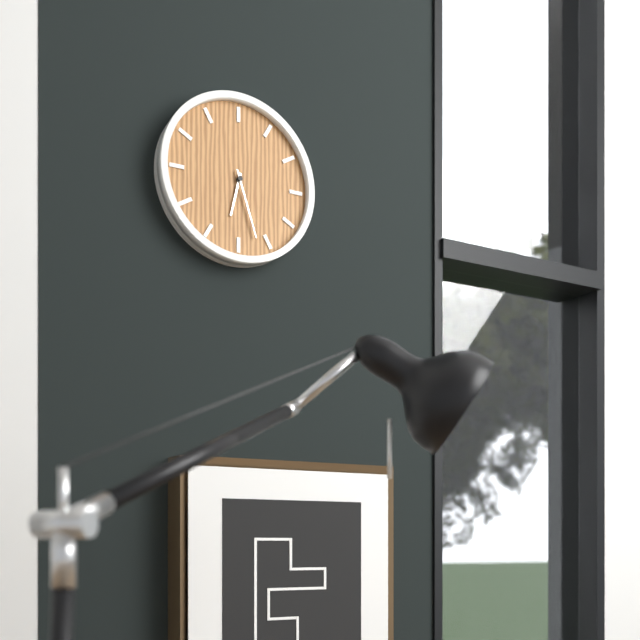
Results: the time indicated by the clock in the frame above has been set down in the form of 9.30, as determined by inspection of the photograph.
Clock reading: 6.27
